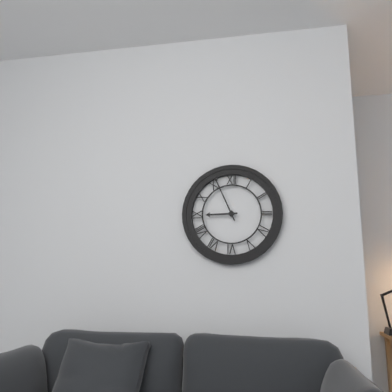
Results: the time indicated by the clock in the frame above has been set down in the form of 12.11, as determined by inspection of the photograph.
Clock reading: 8.56
